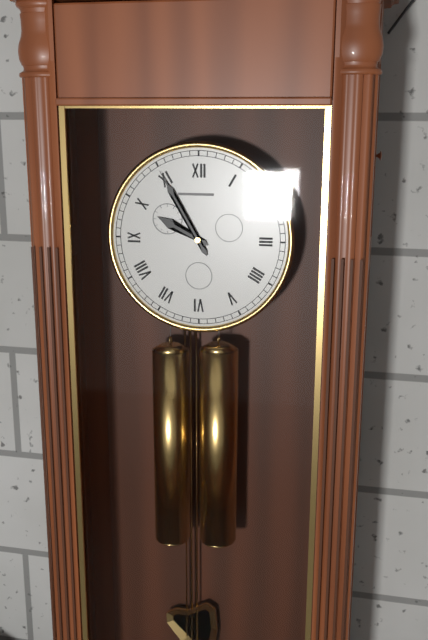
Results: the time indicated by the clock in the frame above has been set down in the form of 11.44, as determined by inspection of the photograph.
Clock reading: 9.55
